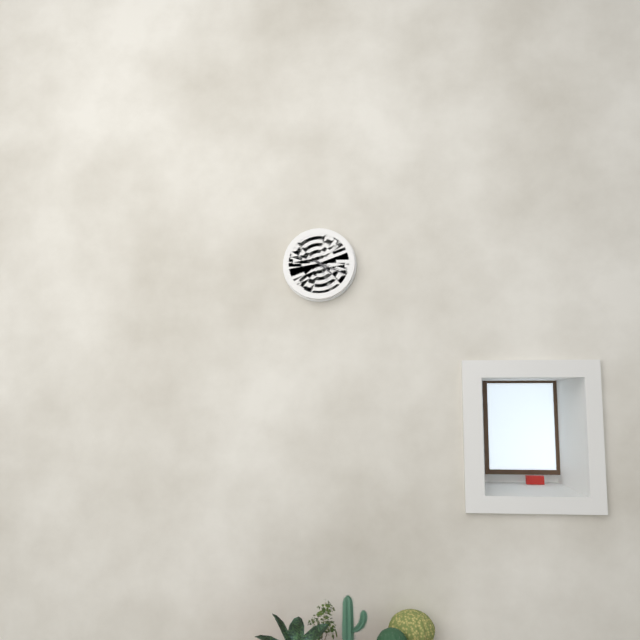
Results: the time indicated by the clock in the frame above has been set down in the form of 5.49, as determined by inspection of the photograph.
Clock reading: 4.19
